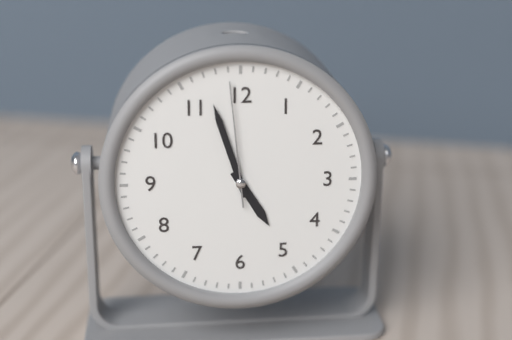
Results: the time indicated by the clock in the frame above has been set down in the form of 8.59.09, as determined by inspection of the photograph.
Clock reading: 4.57.59
